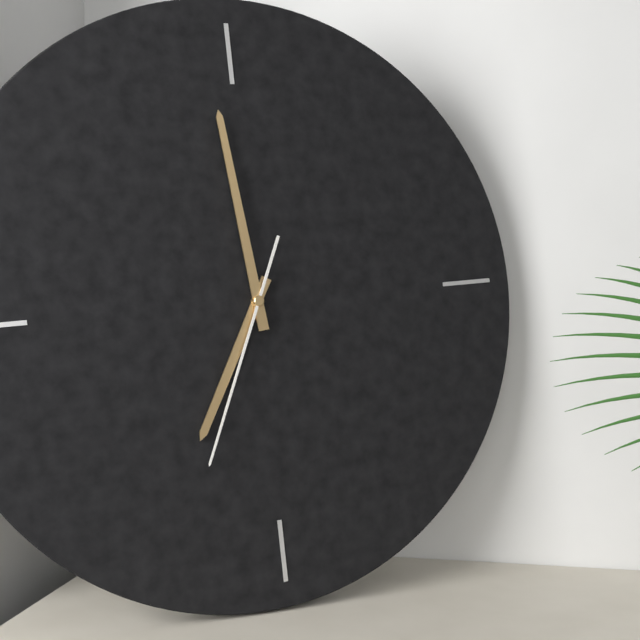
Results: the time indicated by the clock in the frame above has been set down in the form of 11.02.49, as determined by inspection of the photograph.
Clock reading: 6.59.34
